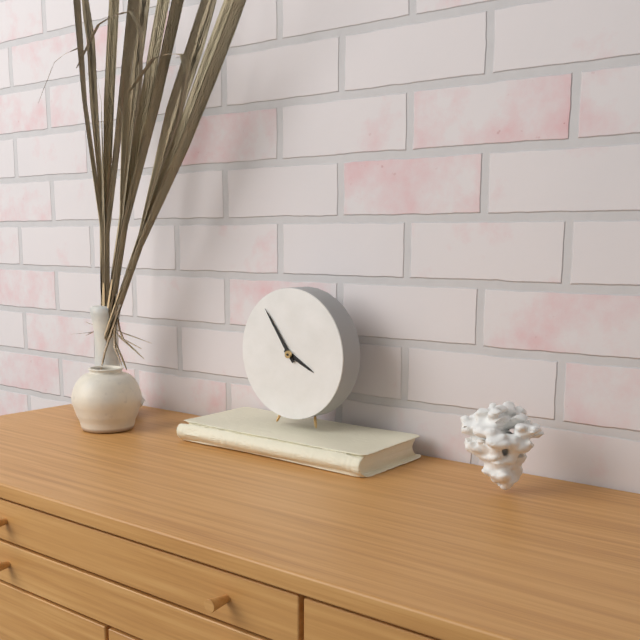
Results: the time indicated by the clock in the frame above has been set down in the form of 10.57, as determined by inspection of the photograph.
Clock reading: 3.54
